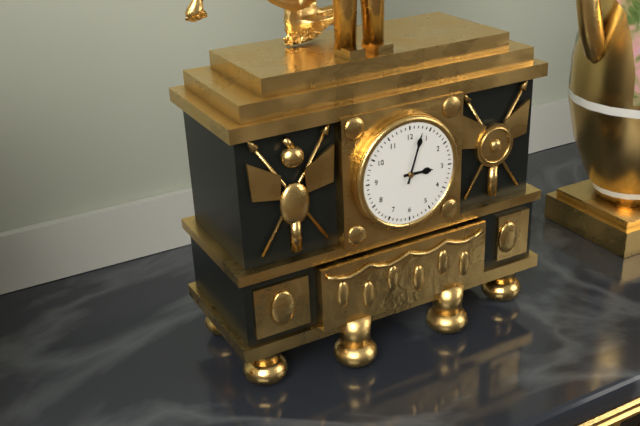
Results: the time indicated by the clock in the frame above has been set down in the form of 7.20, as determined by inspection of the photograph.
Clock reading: 3.03
